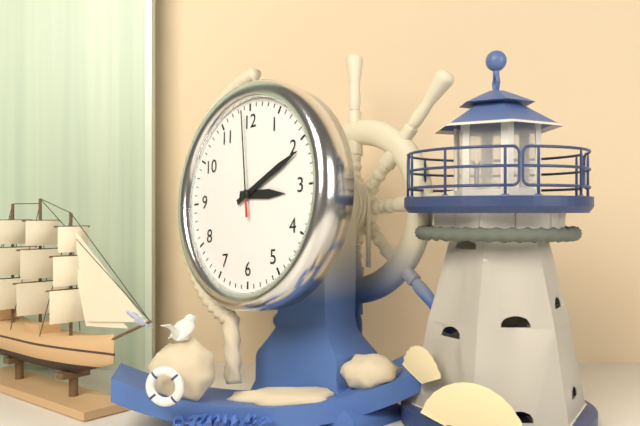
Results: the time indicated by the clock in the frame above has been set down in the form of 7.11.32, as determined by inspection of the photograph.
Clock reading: 3.11.59
